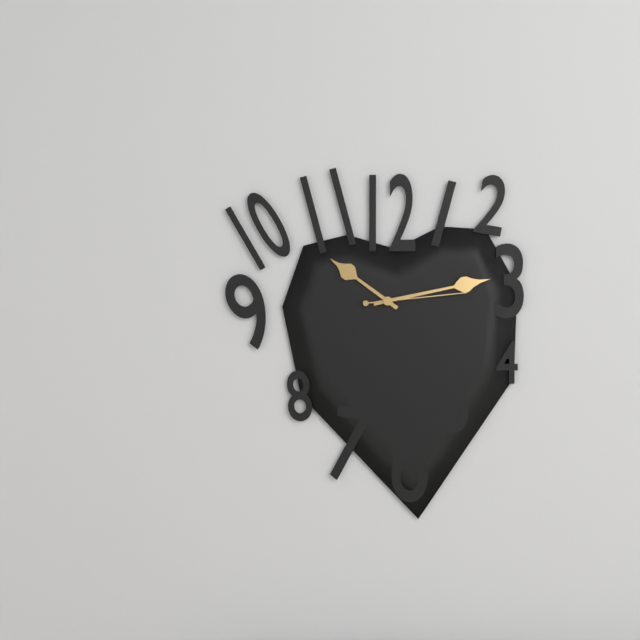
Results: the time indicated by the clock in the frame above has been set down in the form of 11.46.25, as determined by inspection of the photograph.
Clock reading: 10.13.14
